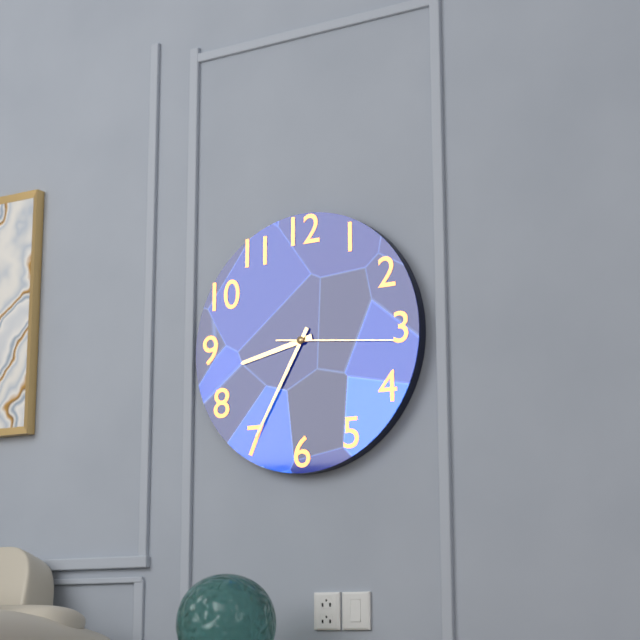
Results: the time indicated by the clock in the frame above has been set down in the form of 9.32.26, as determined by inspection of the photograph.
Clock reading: 8.35.16
